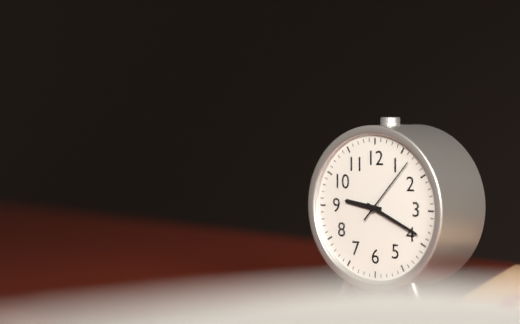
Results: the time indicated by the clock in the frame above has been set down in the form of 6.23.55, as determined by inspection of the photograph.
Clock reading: 9.19.07
